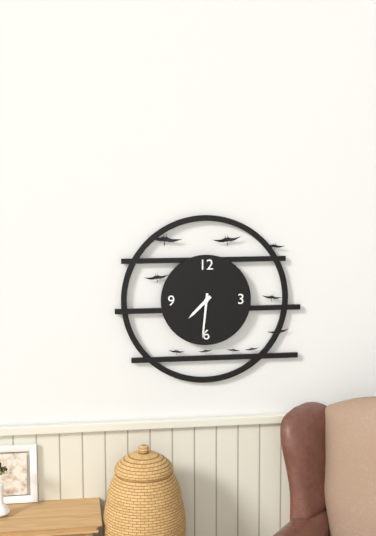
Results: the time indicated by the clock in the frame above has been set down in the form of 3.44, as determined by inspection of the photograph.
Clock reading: 7.31
